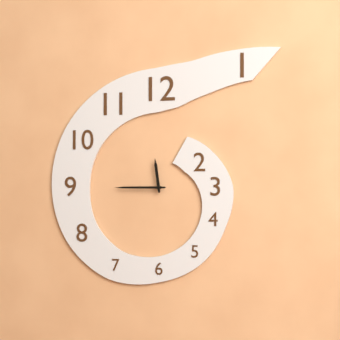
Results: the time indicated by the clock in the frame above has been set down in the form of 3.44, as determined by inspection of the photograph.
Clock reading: 11.45
